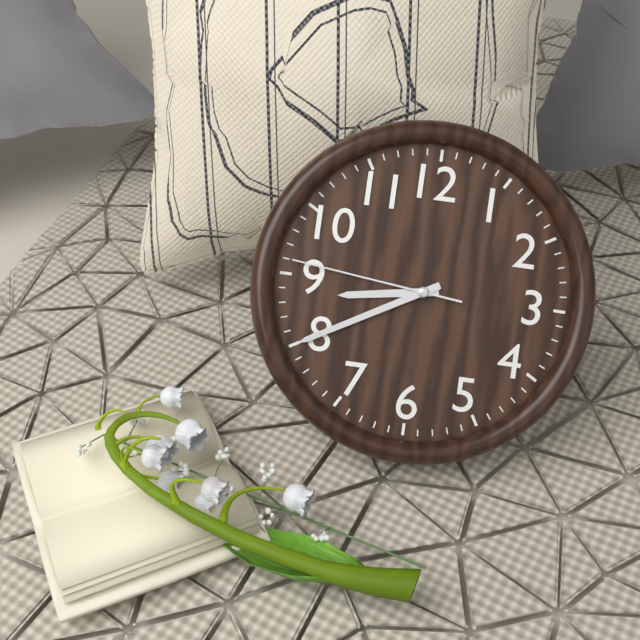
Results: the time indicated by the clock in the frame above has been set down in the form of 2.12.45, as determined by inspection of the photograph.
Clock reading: 8.40.46
